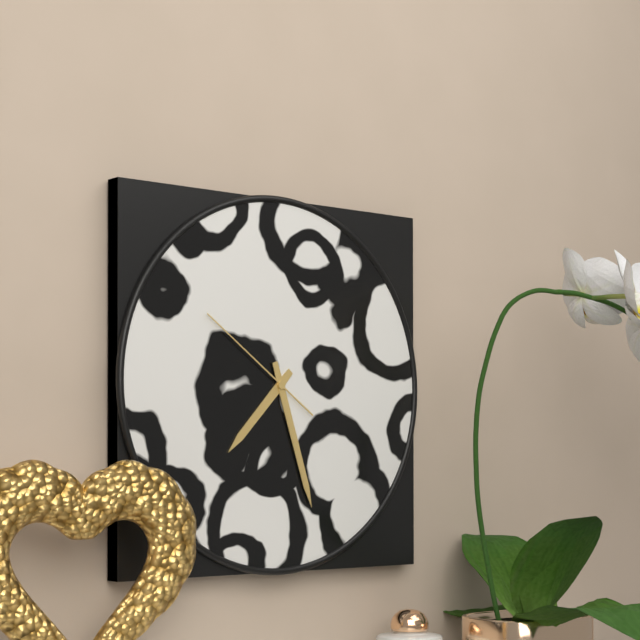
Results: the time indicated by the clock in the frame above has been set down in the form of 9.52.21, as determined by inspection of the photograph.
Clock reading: 7.27.51
